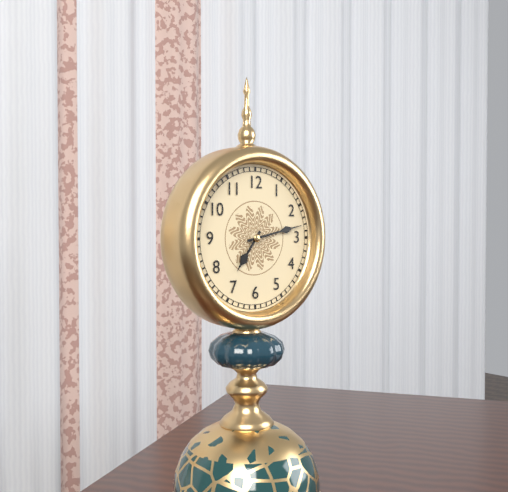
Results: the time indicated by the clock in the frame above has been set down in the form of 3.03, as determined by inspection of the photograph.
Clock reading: 7.13
